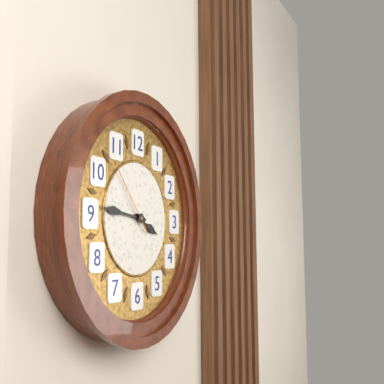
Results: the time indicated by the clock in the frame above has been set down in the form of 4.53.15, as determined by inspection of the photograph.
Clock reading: 3.46.53
